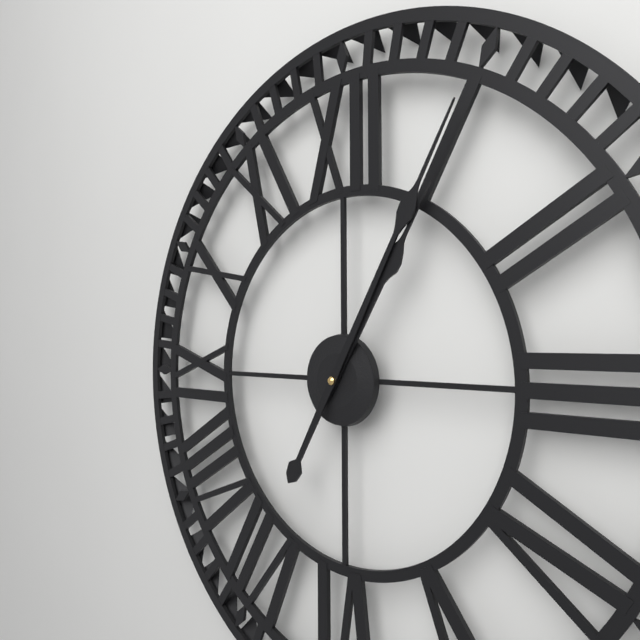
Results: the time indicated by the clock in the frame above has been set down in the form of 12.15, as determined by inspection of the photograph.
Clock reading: 1.05
